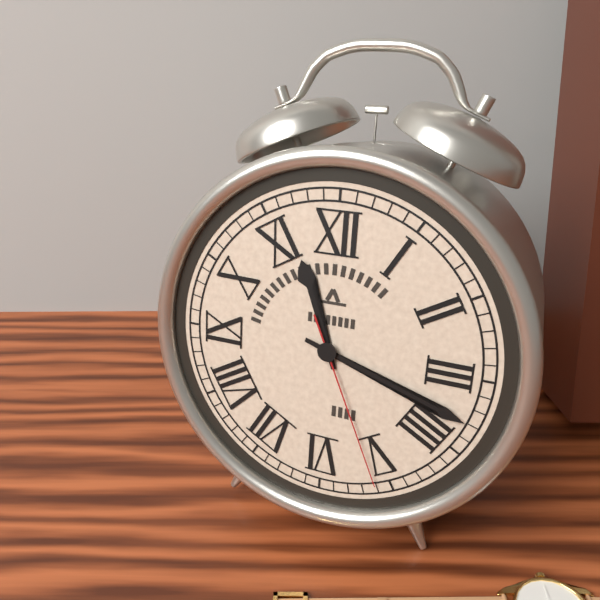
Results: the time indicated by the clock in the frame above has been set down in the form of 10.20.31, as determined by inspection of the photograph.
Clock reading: 11.18.26
